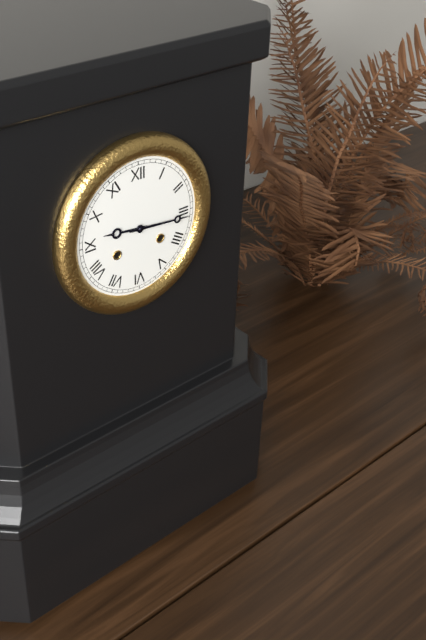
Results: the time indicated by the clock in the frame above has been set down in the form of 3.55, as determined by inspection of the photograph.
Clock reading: 9.16
